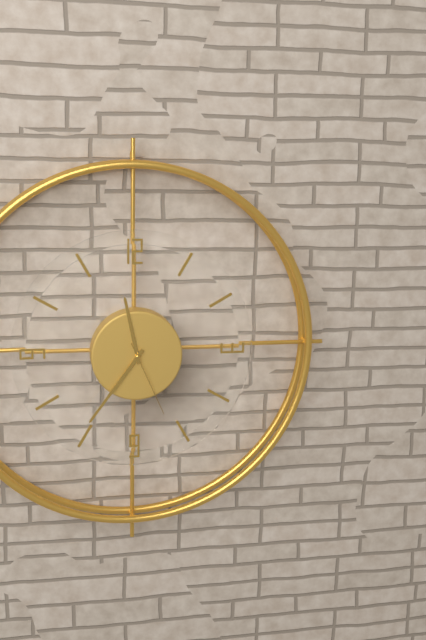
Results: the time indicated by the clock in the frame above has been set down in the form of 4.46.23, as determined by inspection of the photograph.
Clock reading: 11.36.26
